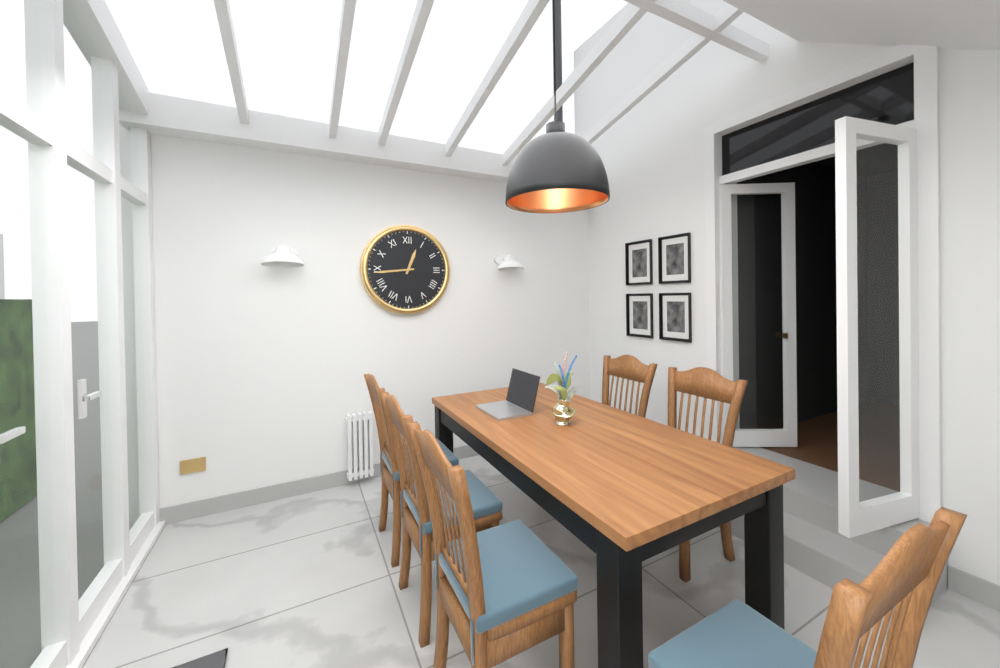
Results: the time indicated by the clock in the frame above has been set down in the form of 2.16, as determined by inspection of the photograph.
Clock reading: 12.44
